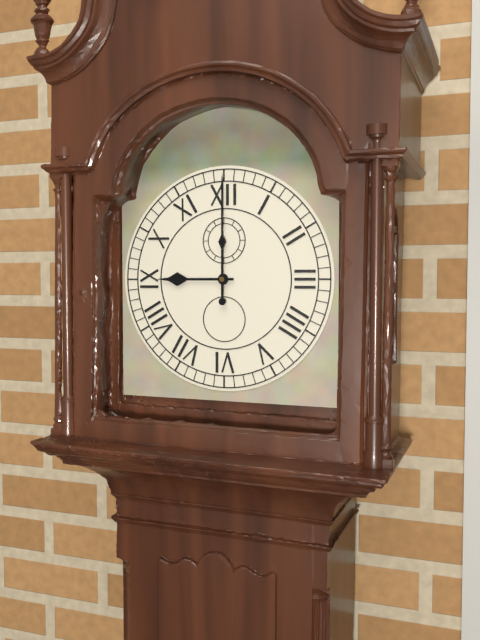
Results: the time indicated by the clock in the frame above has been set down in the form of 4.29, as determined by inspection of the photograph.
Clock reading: 9.00
